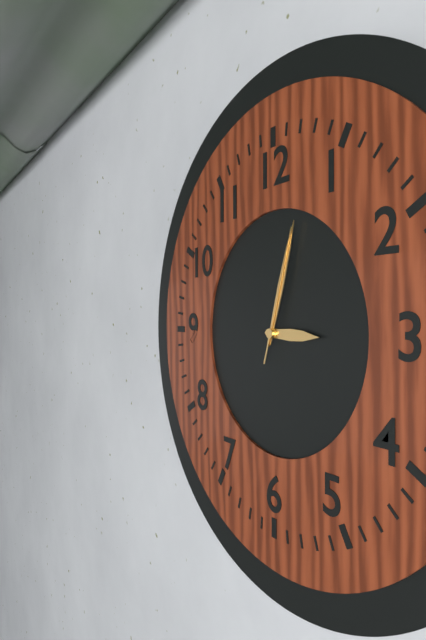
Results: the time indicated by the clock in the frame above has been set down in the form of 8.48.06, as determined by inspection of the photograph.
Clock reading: 3.03.03
